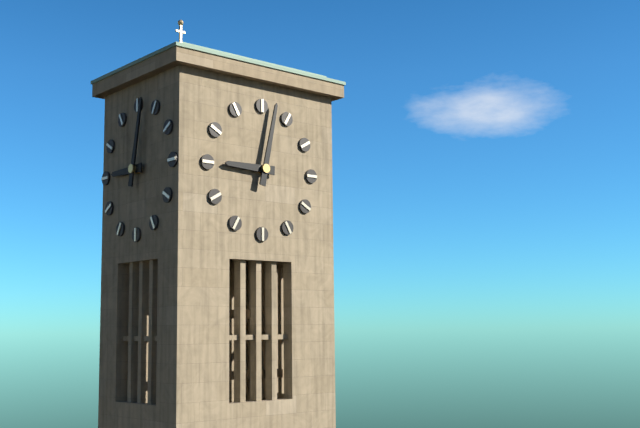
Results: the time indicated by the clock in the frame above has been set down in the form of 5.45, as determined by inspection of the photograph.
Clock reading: 9.02
